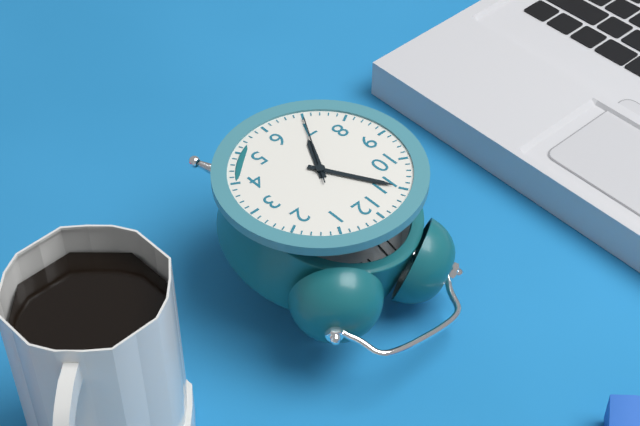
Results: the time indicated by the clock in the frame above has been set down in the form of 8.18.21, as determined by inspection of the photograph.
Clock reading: 6.55.35
